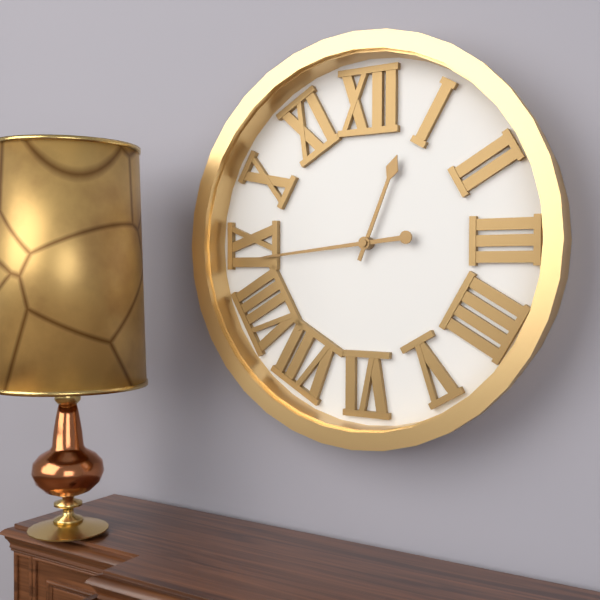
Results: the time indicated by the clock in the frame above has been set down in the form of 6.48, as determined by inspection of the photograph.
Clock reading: 12.44
